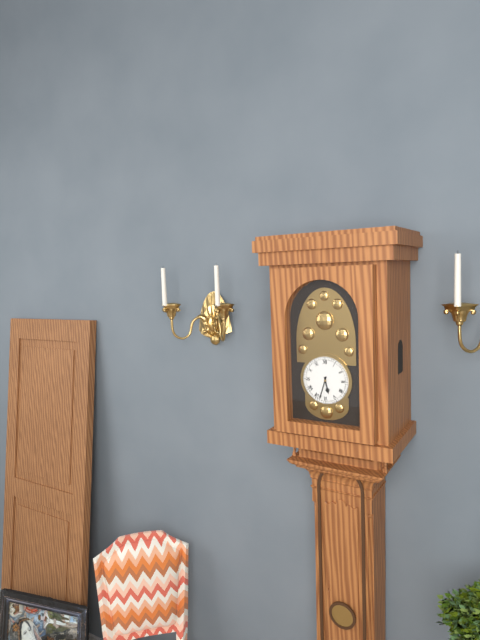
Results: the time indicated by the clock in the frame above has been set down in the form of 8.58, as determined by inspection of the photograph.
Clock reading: 5.33
